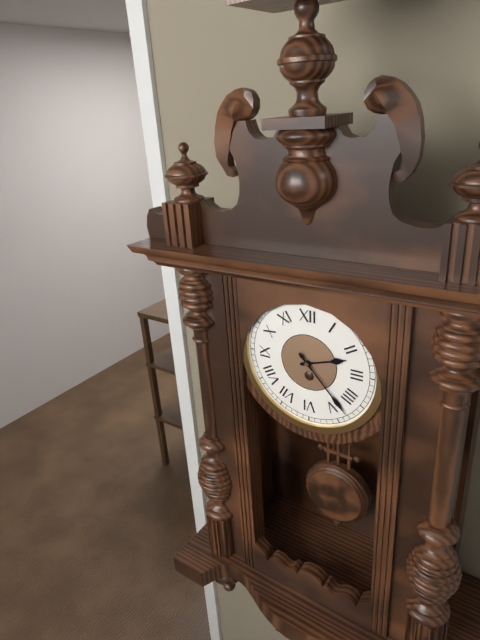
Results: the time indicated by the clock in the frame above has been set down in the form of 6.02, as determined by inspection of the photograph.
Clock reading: 2.23
